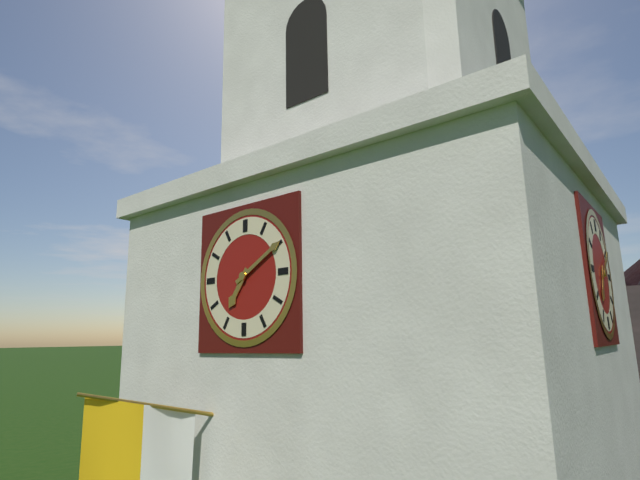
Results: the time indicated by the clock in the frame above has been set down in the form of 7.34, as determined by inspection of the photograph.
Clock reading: 7.10
